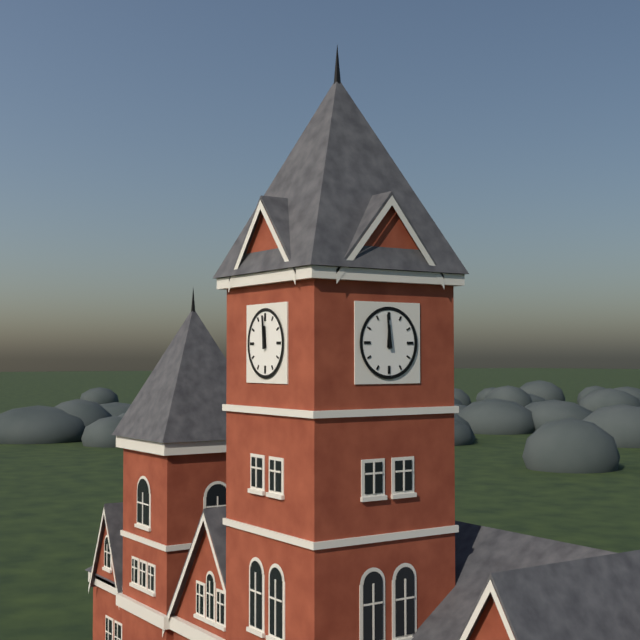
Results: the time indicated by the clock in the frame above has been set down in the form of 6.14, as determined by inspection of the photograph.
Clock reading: 11.59
